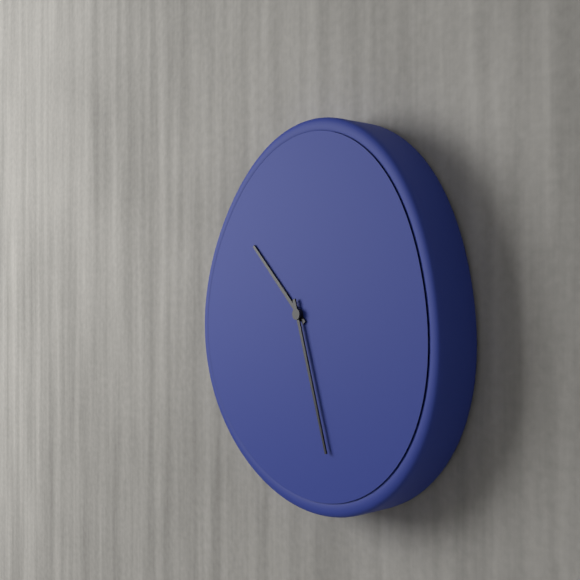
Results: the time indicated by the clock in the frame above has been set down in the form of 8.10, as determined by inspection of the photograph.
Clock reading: 10.27
